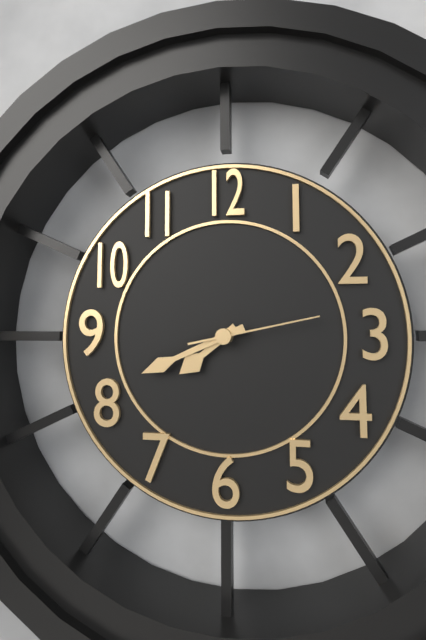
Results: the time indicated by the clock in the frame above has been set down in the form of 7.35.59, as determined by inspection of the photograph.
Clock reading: 7.41.13
